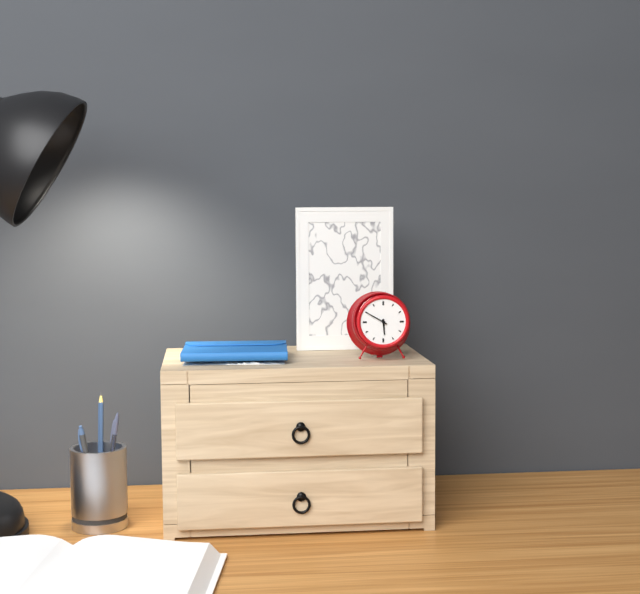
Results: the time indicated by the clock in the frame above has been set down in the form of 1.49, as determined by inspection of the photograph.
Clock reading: 5.50
